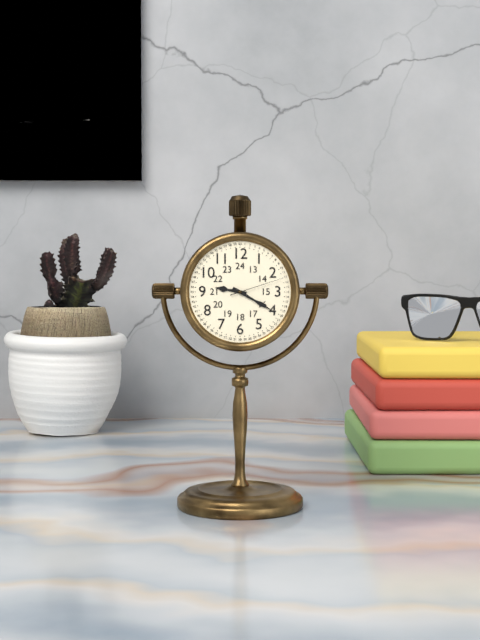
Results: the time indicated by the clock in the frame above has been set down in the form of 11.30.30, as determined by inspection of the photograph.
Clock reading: 9.20.12
